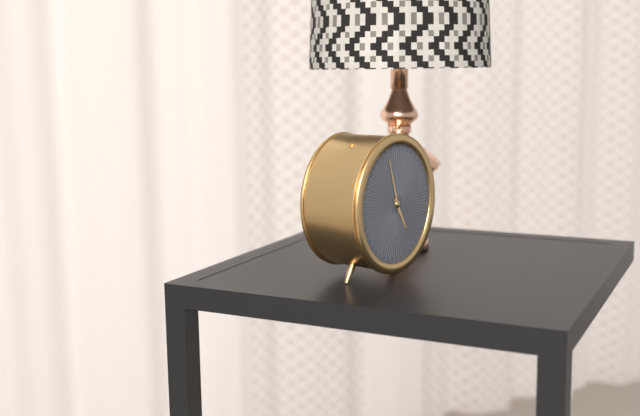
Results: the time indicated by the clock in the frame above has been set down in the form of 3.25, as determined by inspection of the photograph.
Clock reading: 4.57
